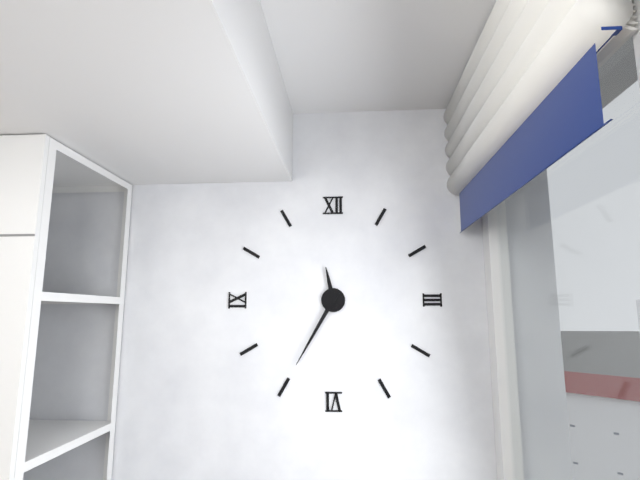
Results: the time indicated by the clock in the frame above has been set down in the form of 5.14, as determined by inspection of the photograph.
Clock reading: 11.35
